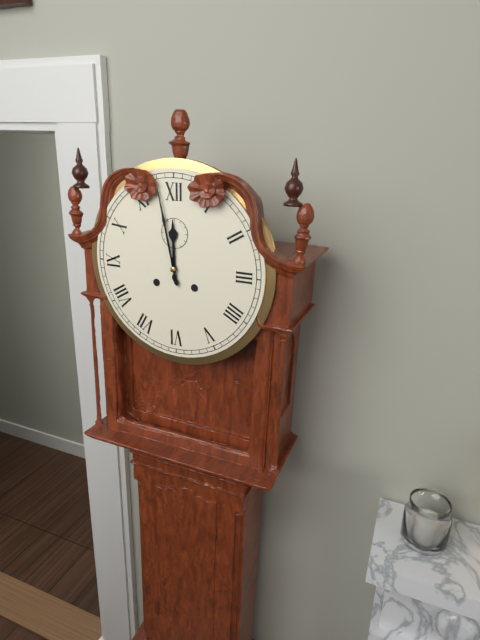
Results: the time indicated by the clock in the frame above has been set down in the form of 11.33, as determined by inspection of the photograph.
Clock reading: 11.58
